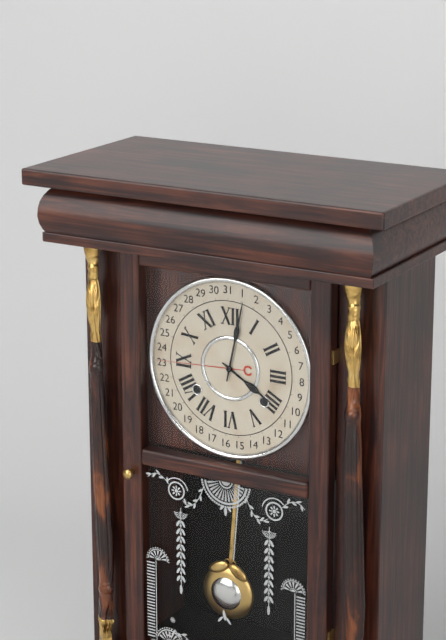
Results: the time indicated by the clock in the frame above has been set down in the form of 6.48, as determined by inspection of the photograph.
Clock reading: 4.02
